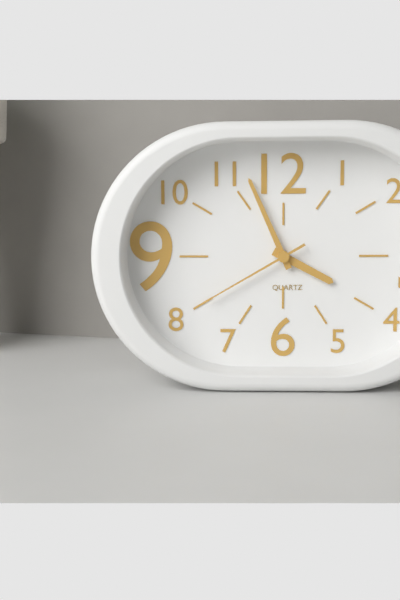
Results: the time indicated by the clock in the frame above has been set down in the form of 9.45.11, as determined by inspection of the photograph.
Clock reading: 3.56.40
